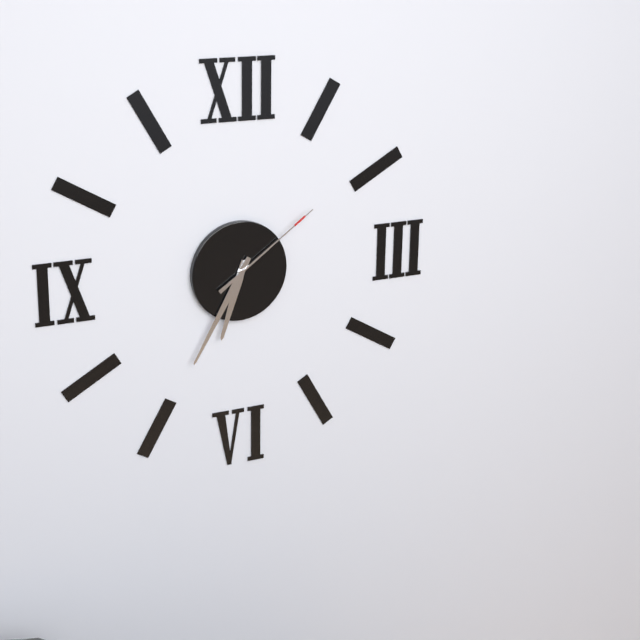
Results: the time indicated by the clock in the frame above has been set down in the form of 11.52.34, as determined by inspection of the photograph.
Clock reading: 6.35.09
